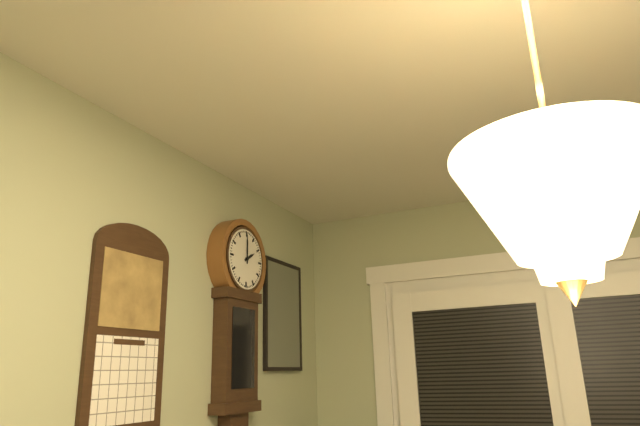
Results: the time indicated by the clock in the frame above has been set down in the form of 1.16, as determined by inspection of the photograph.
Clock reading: 2.00
